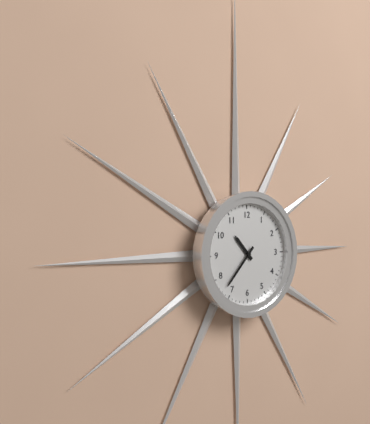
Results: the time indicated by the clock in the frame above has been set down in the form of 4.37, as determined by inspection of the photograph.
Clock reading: 10.37
